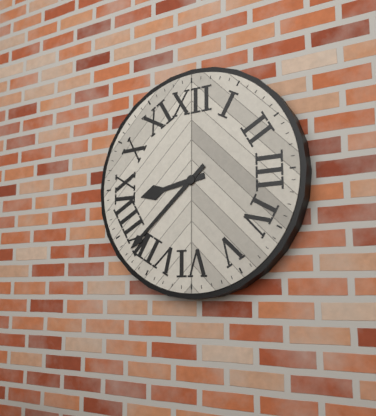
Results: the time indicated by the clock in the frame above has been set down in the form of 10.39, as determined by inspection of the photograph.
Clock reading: 8.38
